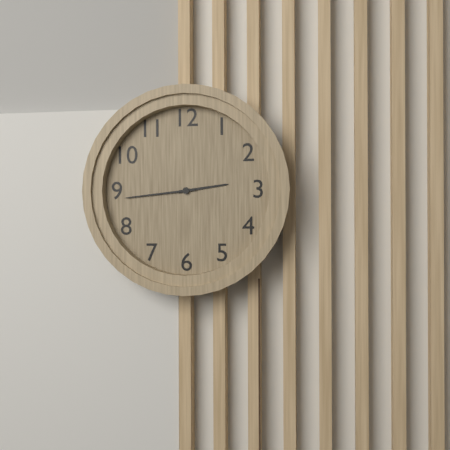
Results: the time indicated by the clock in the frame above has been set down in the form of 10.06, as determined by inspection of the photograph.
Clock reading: 2.44
